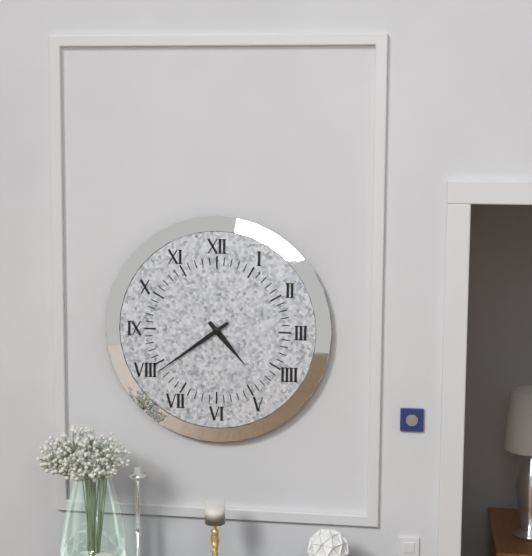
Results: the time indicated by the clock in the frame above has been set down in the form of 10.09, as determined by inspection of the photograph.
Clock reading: 4.39
